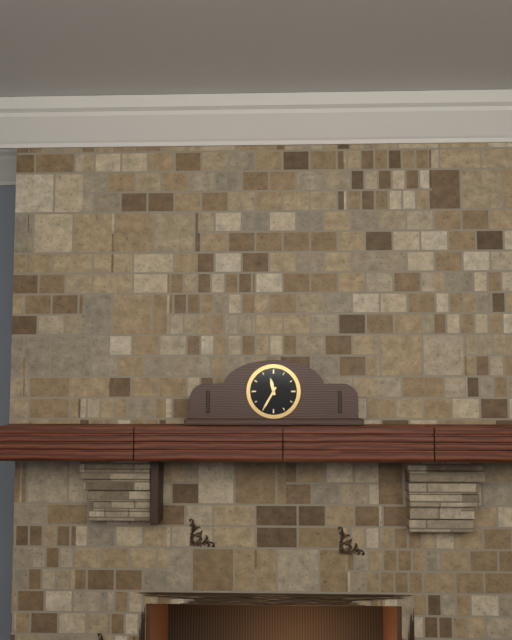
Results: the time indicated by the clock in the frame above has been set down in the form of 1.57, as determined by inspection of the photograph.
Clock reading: 11.35
